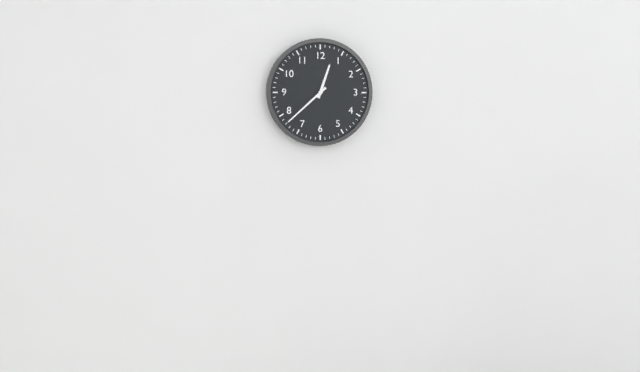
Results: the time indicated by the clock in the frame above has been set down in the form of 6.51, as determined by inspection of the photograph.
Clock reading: 12.38
